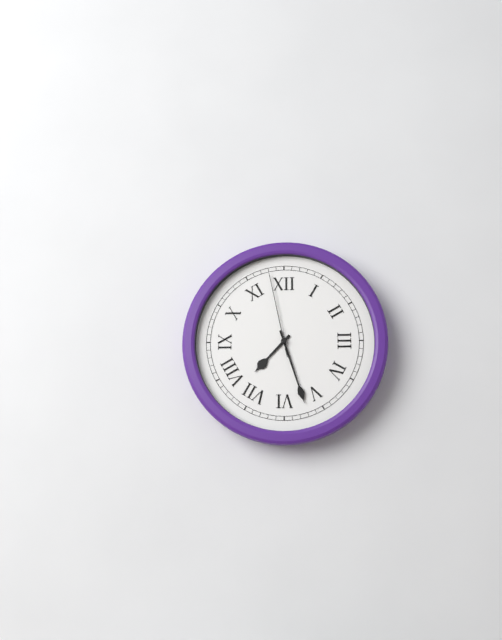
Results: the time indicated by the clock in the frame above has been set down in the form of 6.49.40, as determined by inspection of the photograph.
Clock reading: 7.27.58
